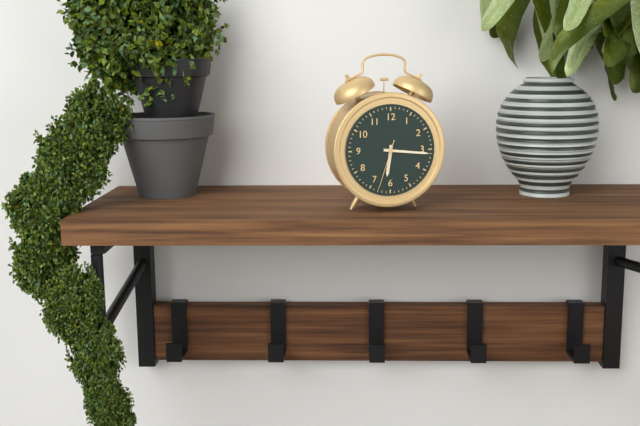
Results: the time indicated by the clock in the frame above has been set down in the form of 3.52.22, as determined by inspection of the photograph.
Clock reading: 6.16.33
